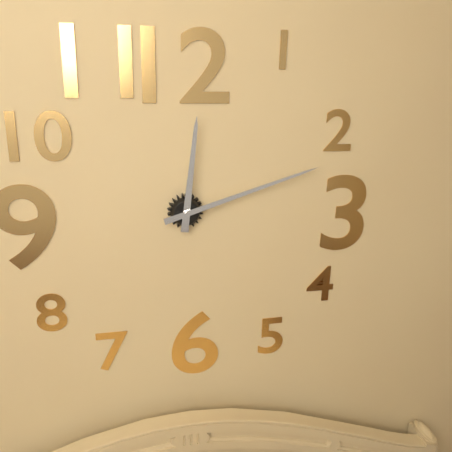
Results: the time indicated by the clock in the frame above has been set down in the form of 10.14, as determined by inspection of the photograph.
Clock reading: 12.12
